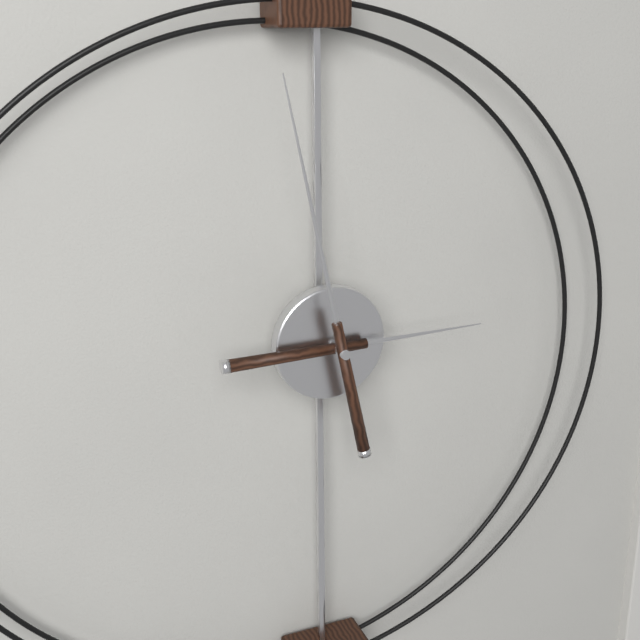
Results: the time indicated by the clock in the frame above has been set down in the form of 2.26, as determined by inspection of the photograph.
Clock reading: 2.58
